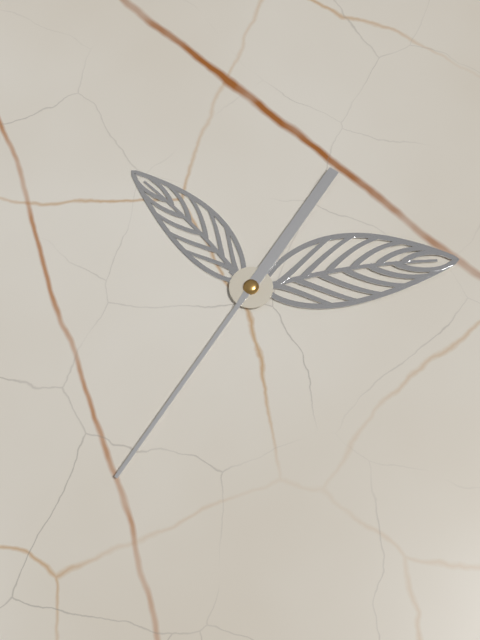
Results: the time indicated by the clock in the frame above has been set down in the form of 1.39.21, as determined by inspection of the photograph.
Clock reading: 5.50.12
